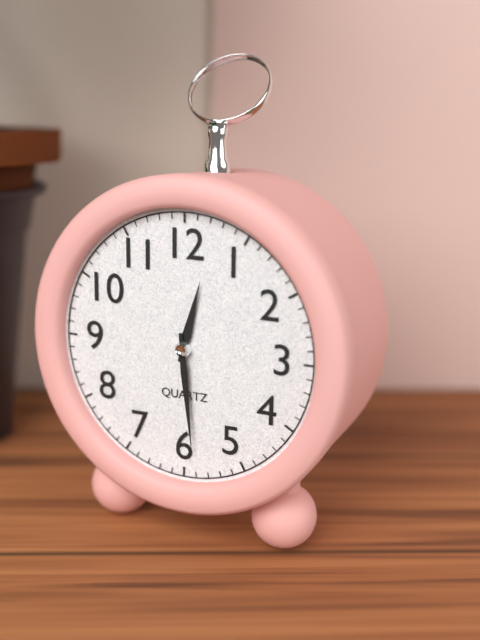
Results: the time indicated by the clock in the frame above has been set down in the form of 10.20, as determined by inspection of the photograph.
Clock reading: 12.29
